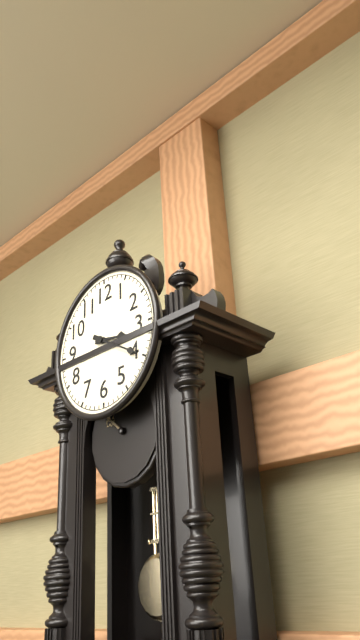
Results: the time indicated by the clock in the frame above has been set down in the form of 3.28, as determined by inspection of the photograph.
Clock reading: 3.20
